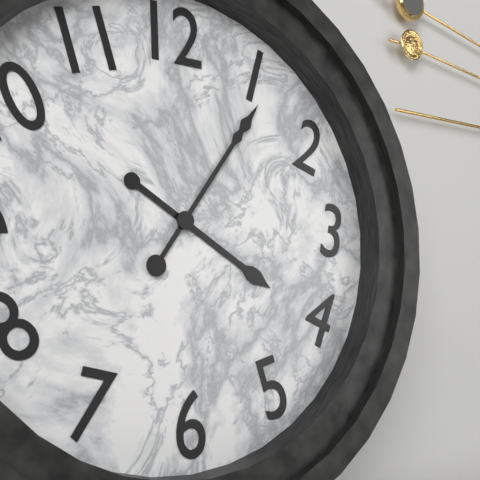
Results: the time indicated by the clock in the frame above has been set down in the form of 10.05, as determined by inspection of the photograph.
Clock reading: 4.06
